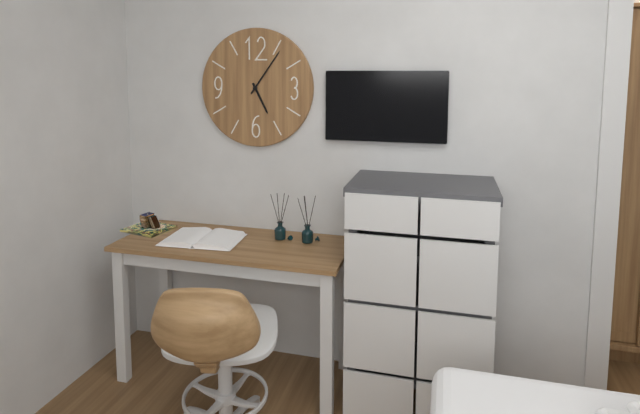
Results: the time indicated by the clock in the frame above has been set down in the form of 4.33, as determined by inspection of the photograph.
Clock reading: 5.06
